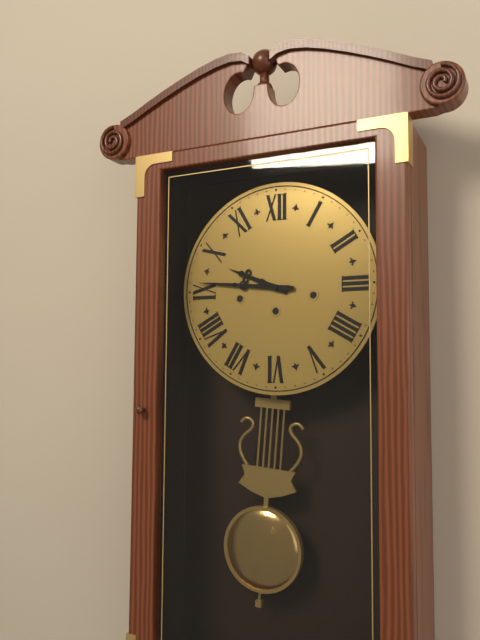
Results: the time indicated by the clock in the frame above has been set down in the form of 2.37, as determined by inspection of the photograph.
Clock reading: 9.46
